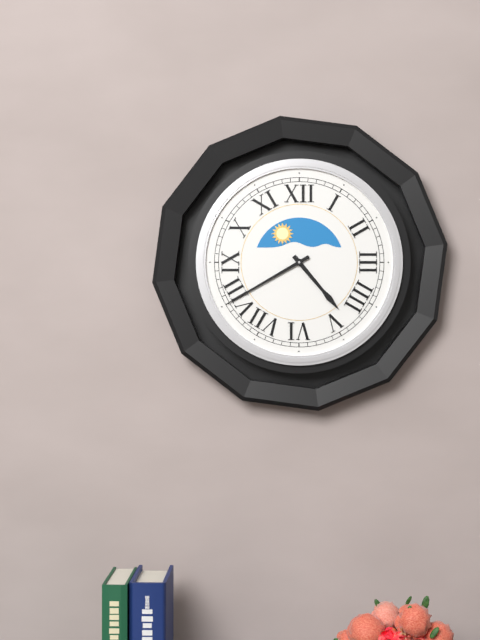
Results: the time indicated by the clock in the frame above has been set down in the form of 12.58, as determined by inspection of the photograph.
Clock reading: 4.40
